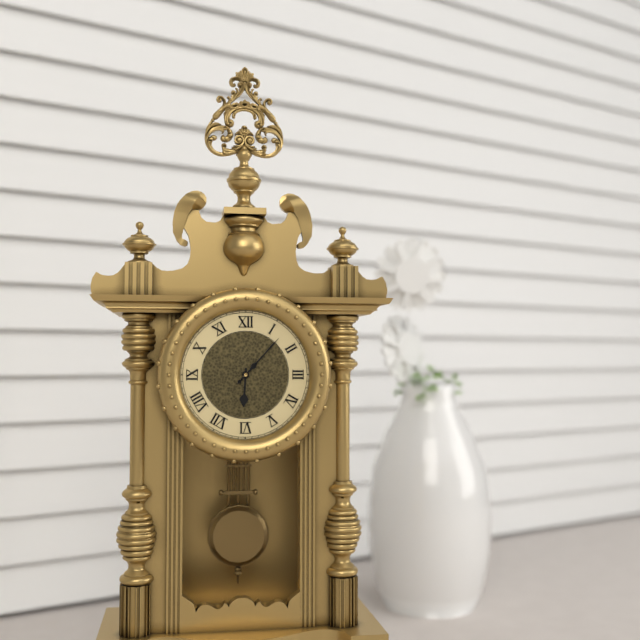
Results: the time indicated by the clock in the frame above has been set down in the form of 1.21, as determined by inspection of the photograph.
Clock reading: 6.07
